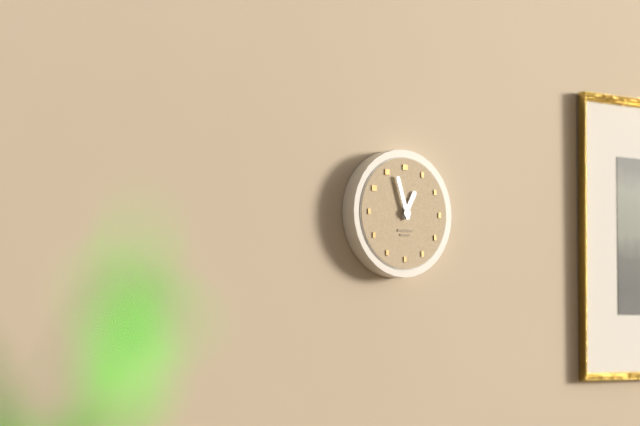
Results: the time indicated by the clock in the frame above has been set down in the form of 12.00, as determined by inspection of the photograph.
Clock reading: 12.57
